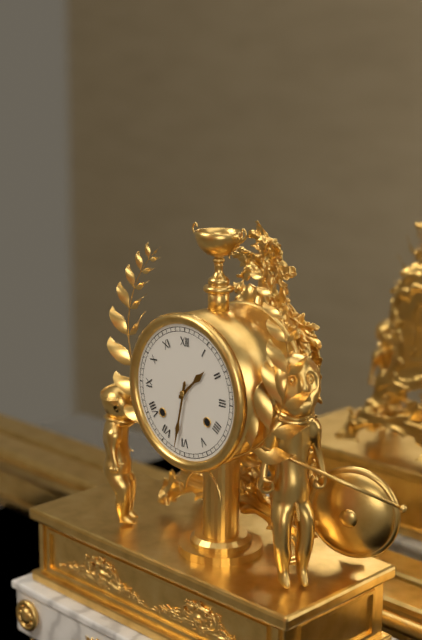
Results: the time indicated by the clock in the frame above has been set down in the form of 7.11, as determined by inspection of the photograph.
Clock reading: 1.32
